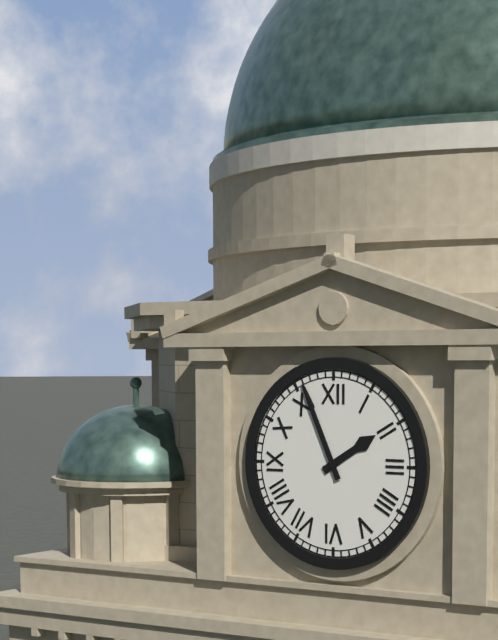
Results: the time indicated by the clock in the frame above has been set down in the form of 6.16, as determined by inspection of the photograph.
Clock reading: 1.56
